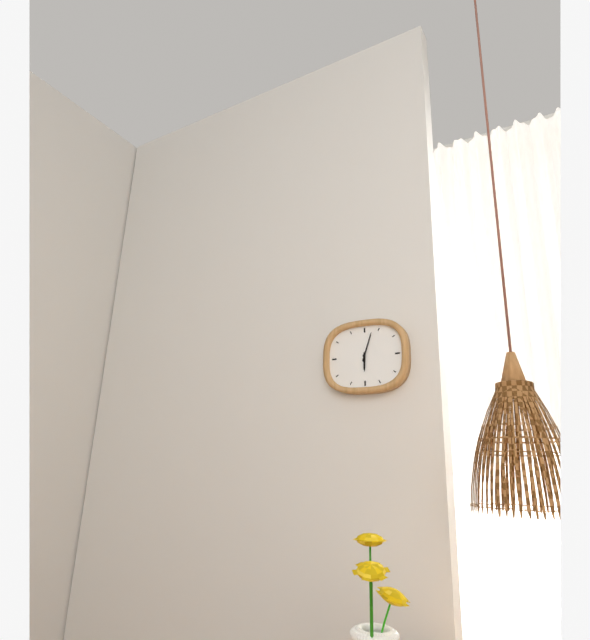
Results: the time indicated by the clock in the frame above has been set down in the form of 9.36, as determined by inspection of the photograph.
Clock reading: 6.03
